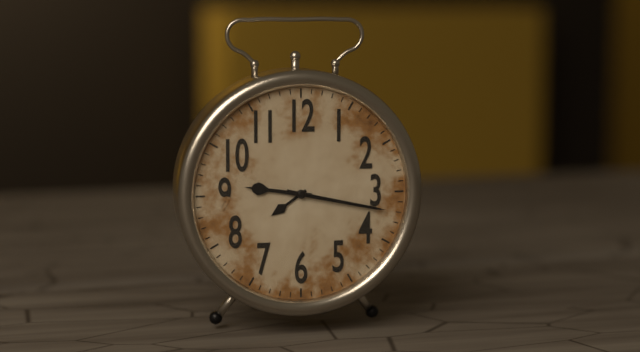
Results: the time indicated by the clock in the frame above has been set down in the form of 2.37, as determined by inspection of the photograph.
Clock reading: 9.17
